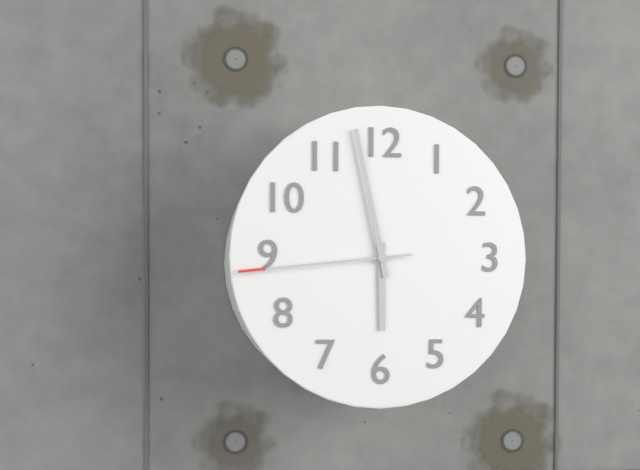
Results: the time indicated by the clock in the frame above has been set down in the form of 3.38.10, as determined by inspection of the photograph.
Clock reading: 5.58.44
